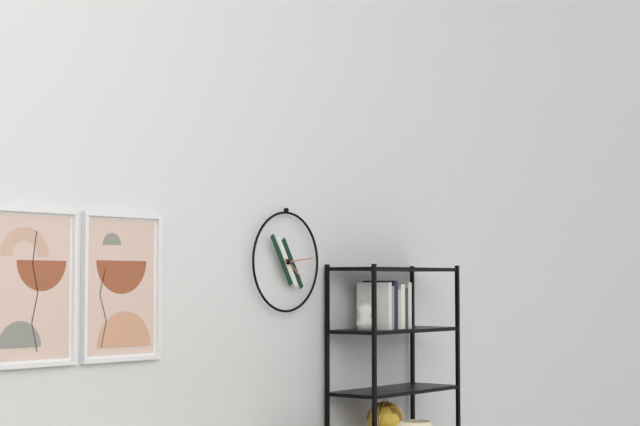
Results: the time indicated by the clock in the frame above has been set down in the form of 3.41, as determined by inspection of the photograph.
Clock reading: 4.14
